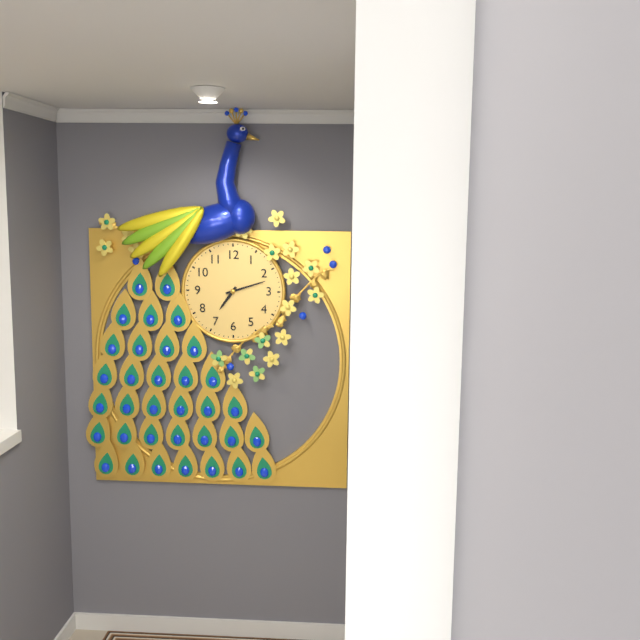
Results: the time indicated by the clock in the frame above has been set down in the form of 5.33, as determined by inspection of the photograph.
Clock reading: 7.12
